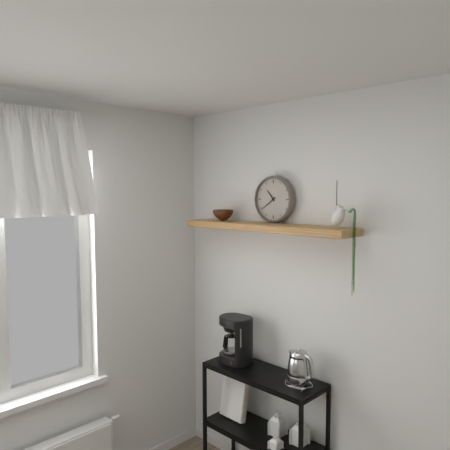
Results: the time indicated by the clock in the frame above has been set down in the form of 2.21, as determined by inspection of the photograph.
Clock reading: 10.39
